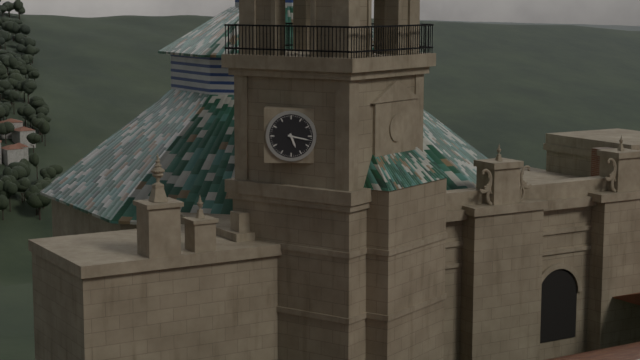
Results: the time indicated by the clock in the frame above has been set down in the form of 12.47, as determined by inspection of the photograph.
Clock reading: 5.17
